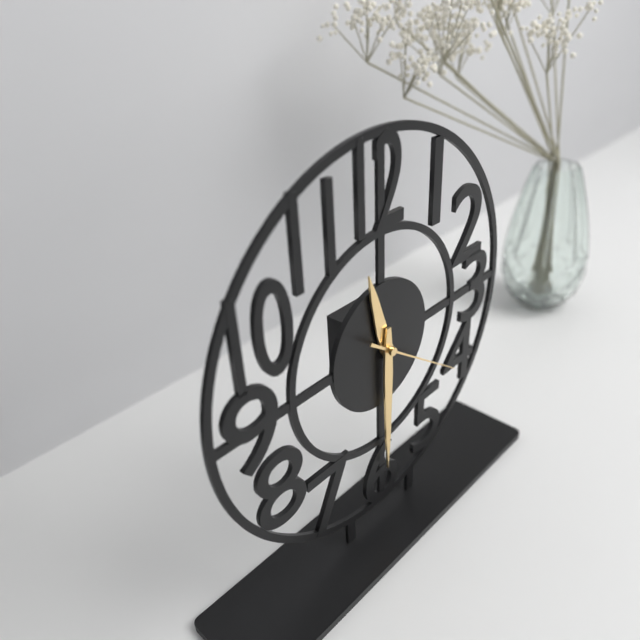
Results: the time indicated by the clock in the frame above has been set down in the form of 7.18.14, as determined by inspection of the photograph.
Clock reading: 11.30.21
